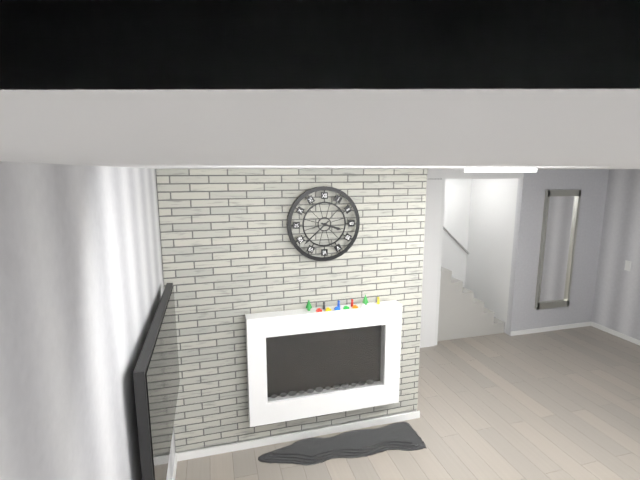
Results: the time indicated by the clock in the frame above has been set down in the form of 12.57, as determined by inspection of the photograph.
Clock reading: 3.38
